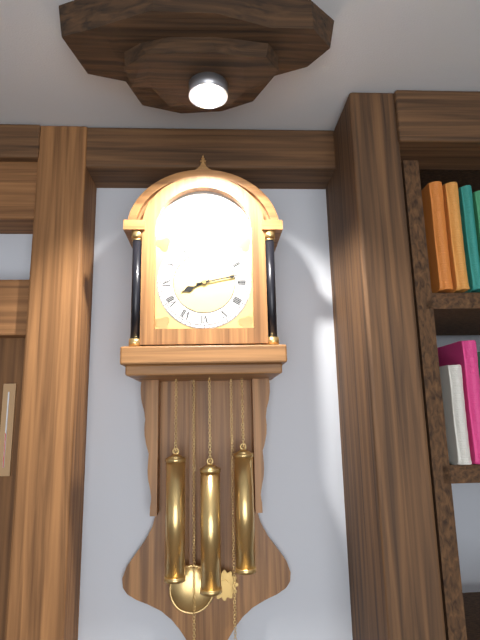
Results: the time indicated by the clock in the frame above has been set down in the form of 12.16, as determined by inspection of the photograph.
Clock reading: 8.13
